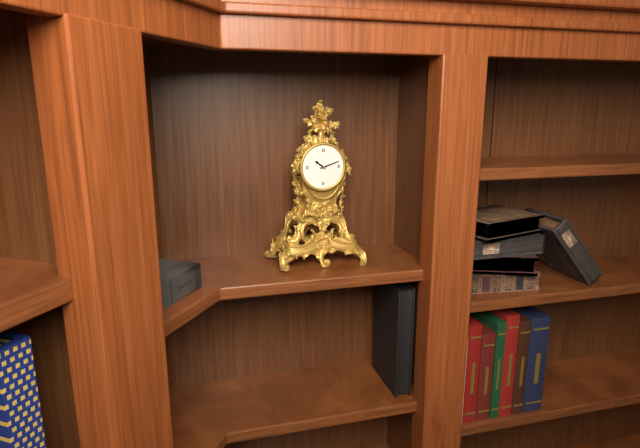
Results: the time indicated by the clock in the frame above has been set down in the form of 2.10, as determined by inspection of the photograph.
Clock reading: 10.12
